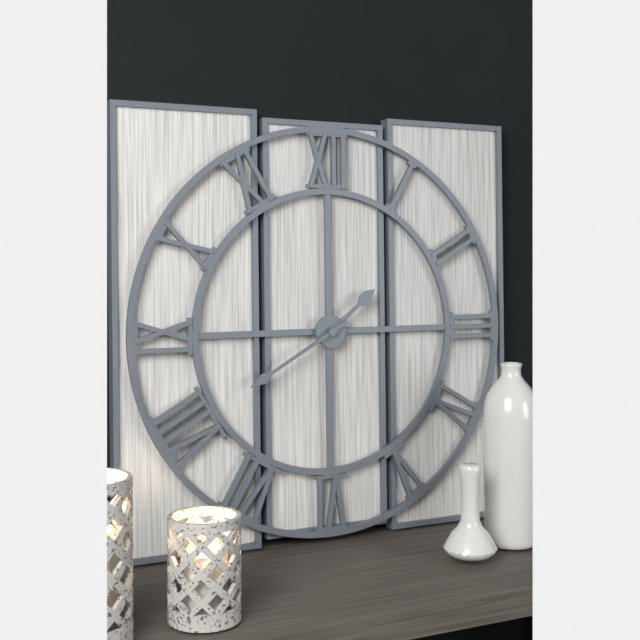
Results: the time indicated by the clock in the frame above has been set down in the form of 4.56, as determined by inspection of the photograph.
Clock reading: 1.40
